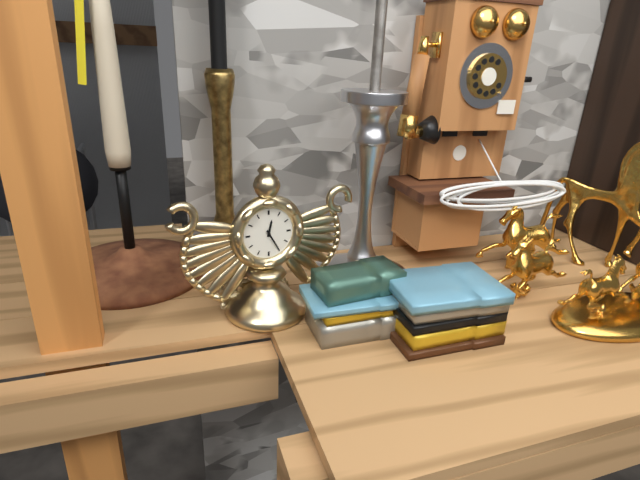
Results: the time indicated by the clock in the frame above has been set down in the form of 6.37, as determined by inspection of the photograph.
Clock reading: 12.25
